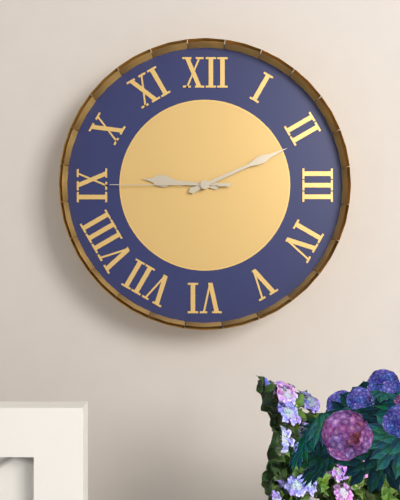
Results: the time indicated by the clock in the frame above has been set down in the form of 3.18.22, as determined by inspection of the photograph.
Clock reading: 9.11.45
